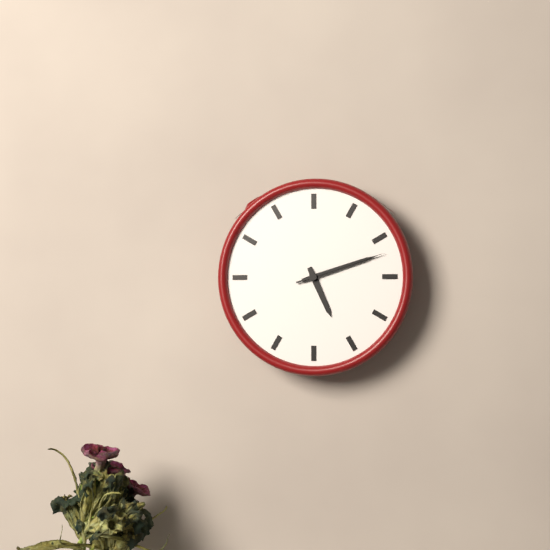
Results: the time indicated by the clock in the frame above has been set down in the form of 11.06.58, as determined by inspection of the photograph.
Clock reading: 5.12.12
